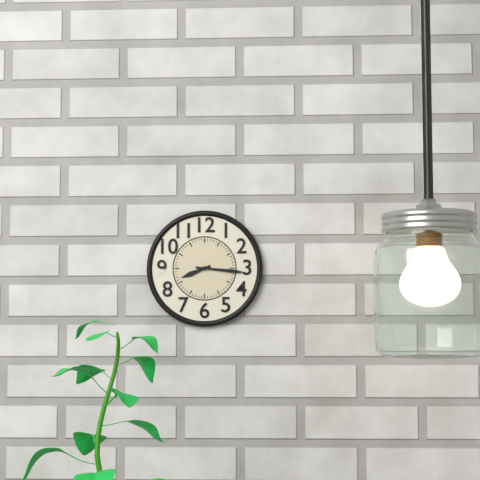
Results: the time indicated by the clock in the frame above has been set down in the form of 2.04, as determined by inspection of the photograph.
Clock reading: 8.16
